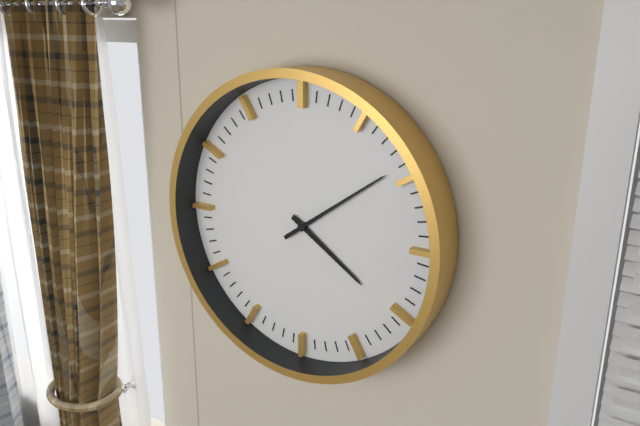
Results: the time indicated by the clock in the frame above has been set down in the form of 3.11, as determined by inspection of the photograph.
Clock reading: 4.09
